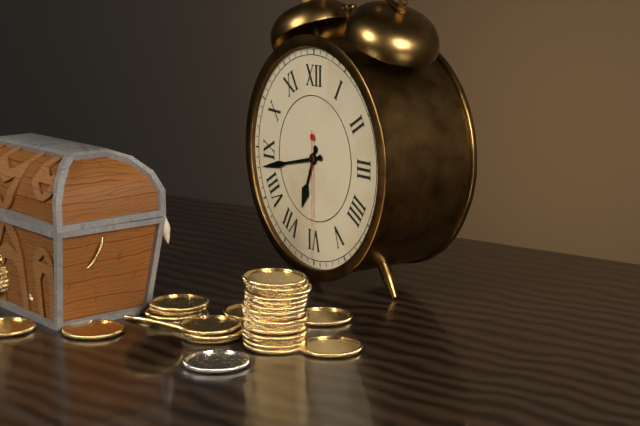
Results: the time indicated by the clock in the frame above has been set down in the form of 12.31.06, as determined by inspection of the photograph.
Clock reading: 6.43.30
